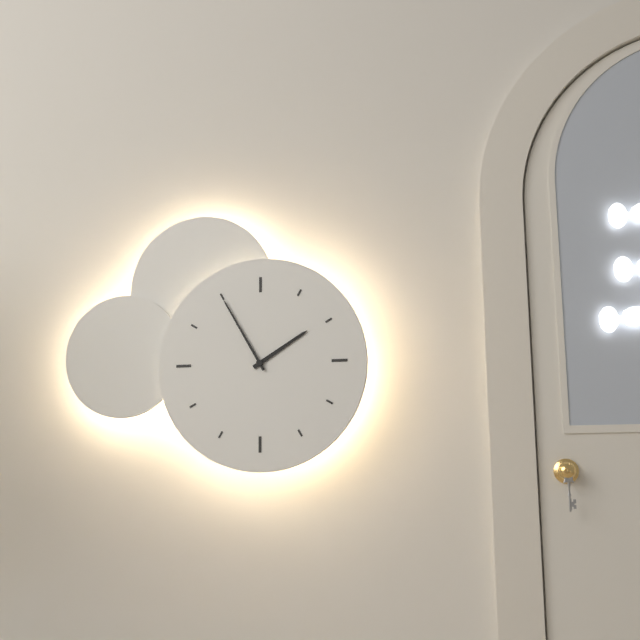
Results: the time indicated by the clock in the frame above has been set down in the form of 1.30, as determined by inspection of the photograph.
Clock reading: 1.55
